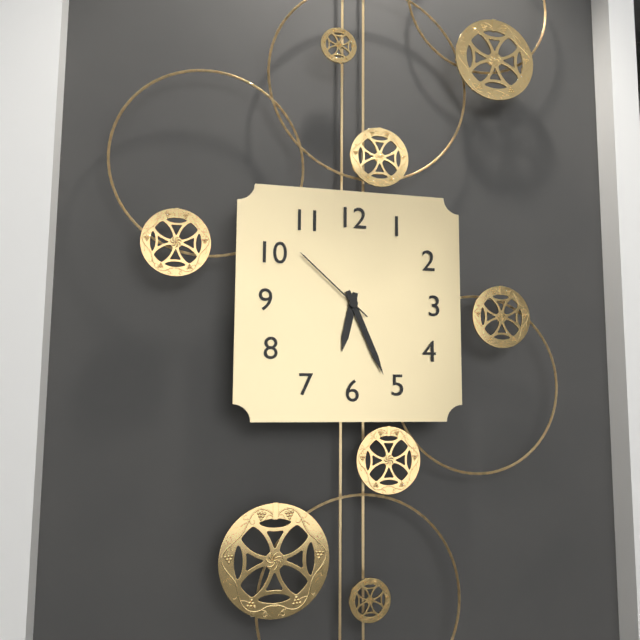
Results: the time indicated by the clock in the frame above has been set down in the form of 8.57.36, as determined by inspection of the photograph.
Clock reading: 6.26.52
